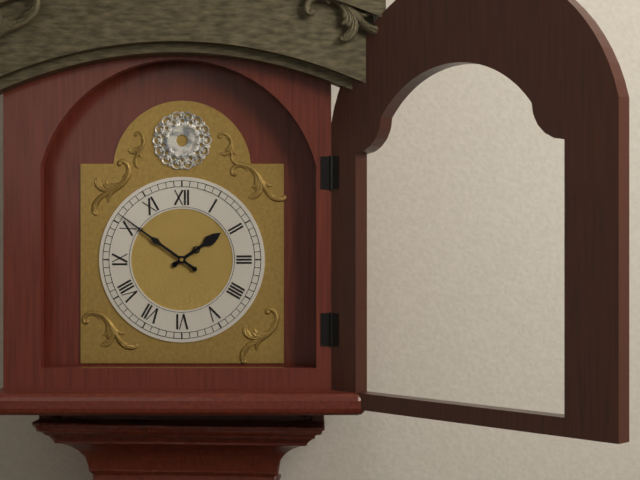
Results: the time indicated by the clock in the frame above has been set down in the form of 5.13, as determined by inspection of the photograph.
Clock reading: 1.51
